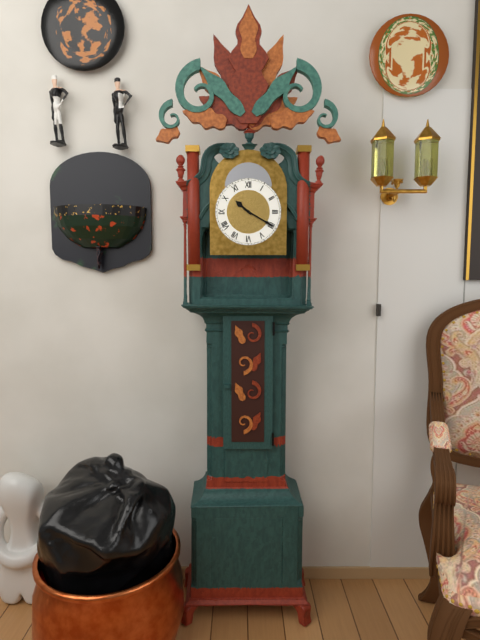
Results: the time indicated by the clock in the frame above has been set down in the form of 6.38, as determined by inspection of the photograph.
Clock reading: 10.20
